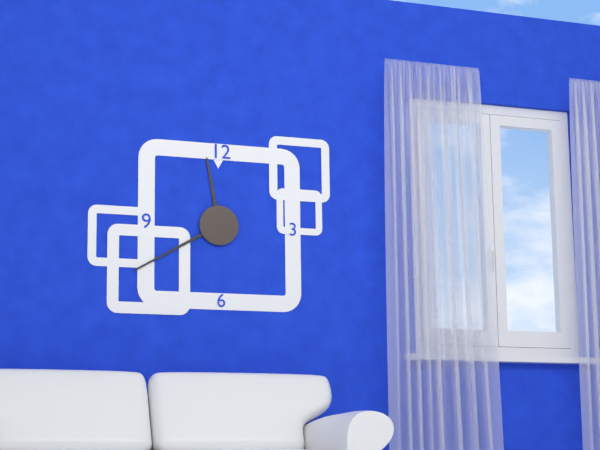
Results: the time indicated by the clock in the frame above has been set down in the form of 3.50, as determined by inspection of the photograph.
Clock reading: 11.40
